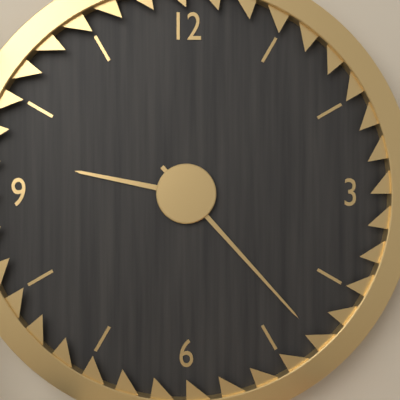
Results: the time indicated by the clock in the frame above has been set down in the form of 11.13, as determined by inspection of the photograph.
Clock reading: 9.23
